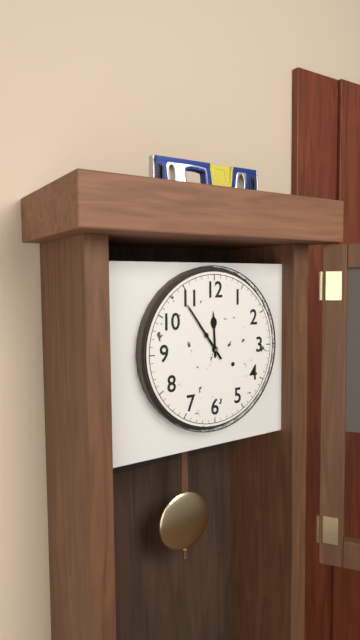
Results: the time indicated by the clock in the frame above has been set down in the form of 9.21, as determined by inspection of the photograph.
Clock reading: 11.54
